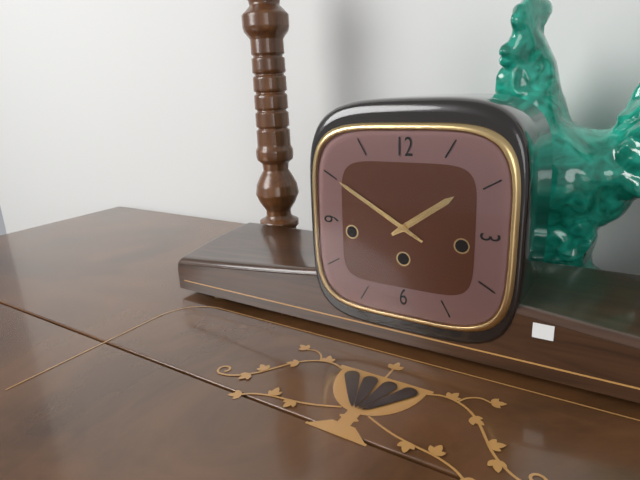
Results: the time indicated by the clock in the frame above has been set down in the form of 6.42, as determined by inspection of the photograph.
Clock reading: 1.50
